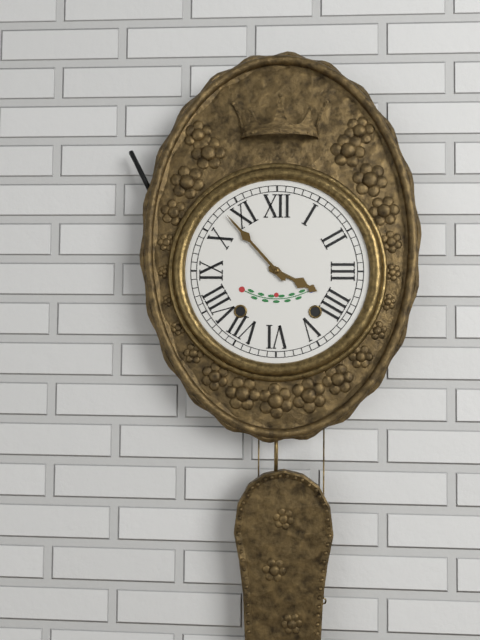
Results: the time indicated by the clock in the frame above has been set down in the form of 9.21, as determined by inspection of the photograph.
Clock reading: 3.53
